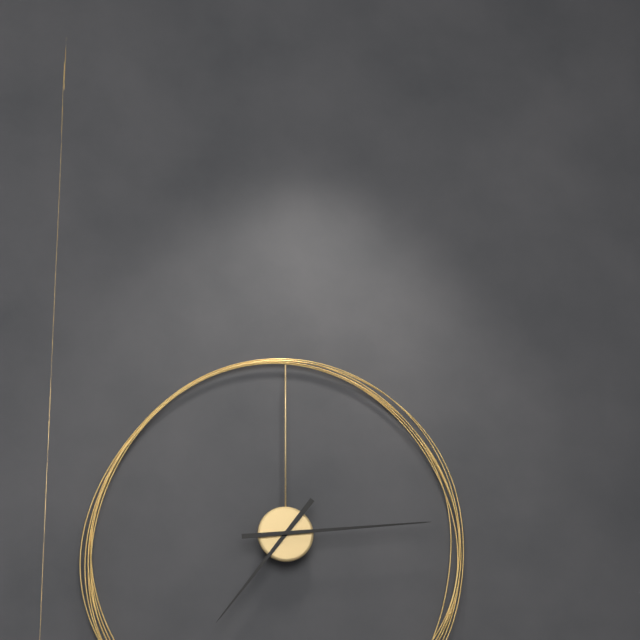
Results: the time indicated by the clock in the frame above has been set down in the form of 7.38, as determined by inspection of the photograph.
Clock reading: 7.14
